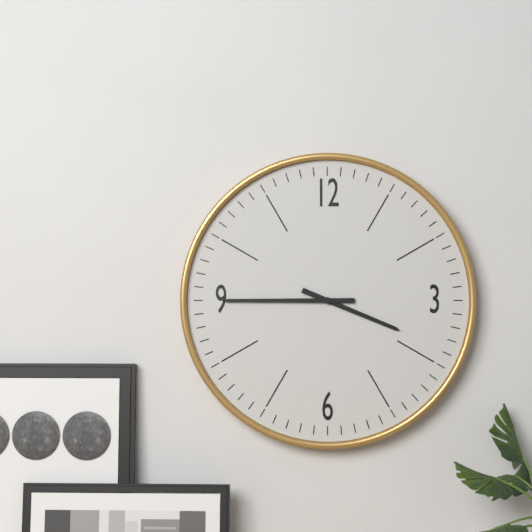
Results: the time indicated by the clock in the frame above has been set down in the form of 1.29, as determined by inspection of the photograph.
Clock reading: 3.45
